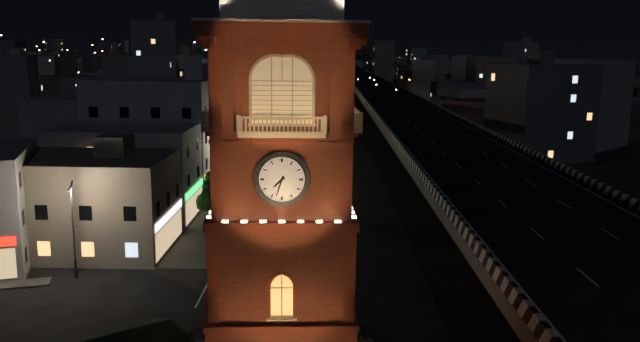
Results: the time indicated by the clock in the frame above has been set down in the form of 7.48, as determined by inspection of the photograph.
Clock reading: 7.33
